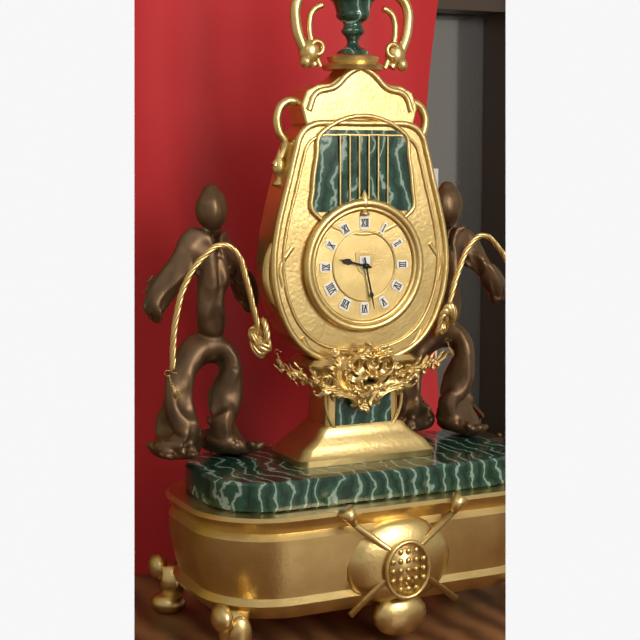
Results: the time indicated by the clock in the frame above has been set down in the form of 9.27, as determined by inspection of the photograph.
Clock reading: 9.28
